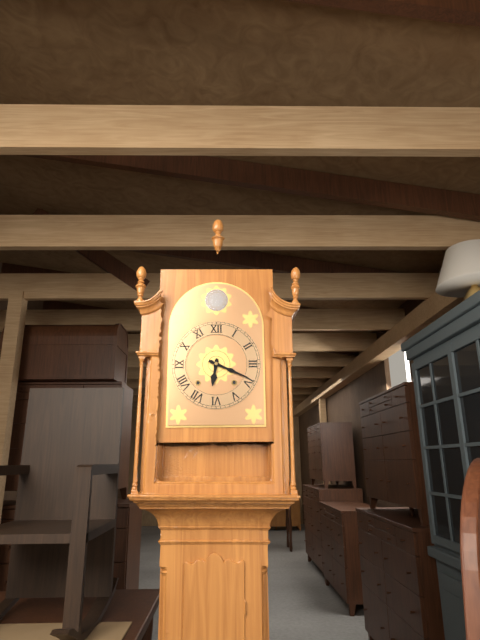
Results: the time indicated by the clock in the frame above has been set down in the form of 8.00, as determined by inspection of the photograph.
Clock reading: 6.19
